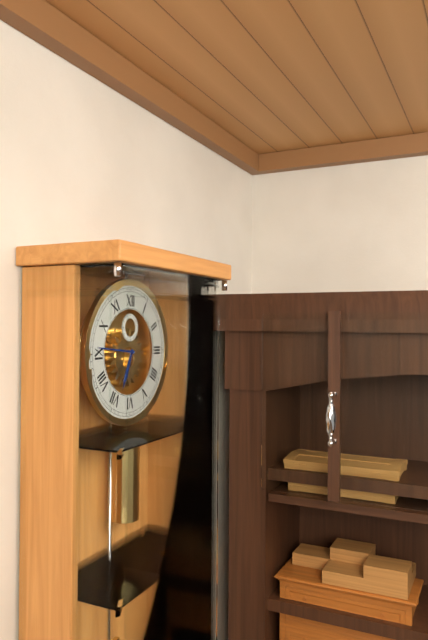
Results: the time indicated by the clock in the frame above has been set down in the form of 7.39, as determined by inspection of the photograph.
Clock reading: 6.46
